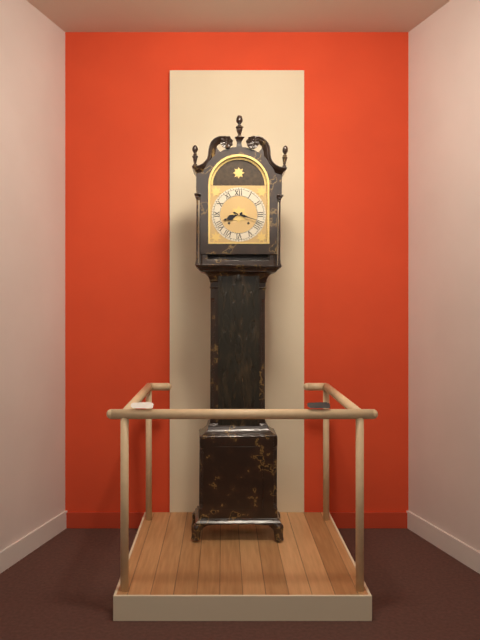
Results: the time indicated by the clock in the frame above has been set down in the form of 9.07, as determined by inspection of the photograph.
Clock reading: 8.18
